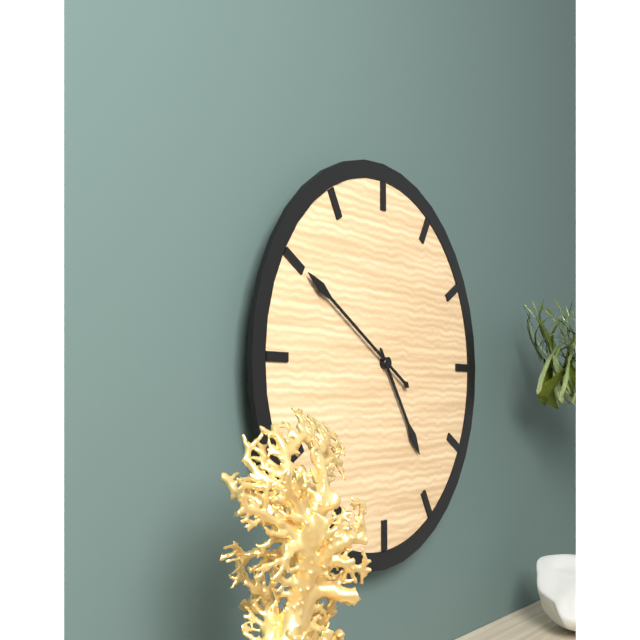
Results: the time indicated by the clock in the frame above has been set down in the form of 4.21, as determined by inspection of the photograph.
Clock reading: 4.50
